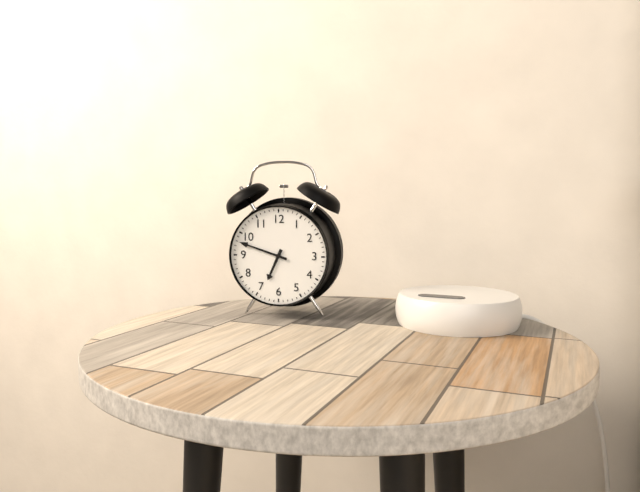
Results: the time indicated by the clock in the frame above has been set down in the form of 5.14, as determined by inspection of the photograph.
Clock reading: 6.48
